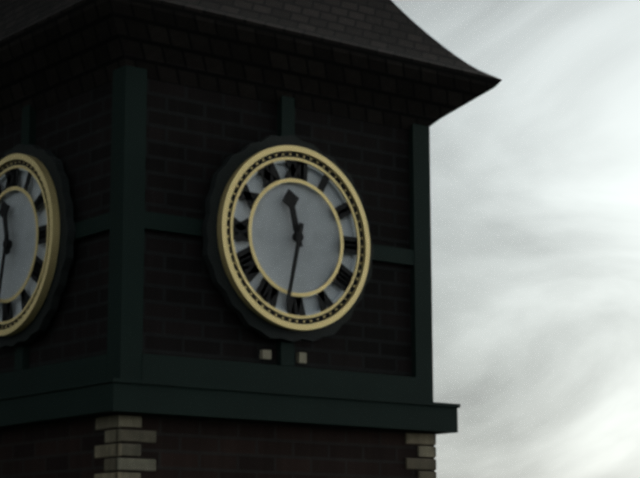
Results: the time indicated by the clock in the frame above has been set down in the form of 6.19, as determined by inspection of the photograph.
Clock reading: 11.32
